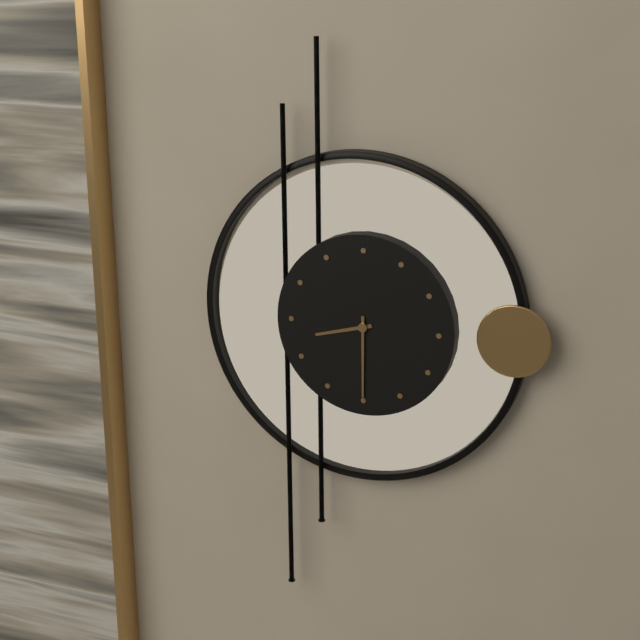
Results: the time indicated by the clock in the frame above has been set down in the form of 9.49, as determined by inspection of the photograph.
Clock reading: 8.30
